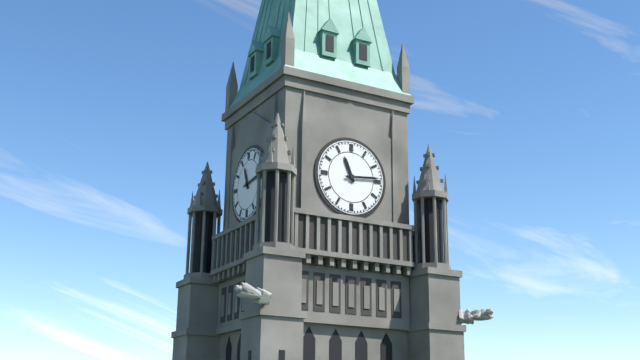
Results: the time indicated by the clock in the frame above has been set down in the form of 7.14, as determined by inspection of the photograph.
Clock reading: 11.14
